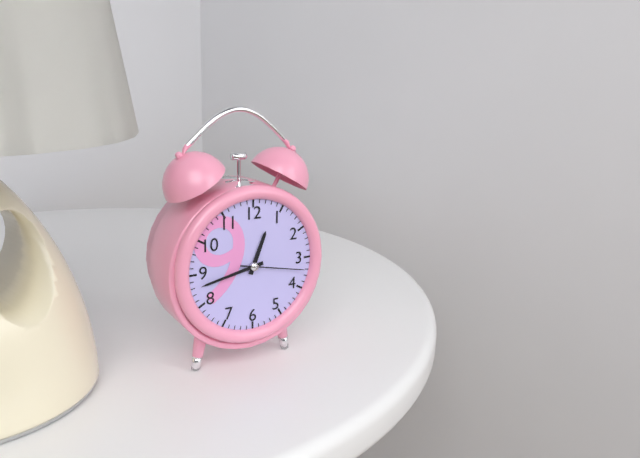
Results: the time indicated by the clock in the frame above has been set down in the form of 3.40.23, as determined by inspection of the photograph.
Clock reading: 12.43.17
